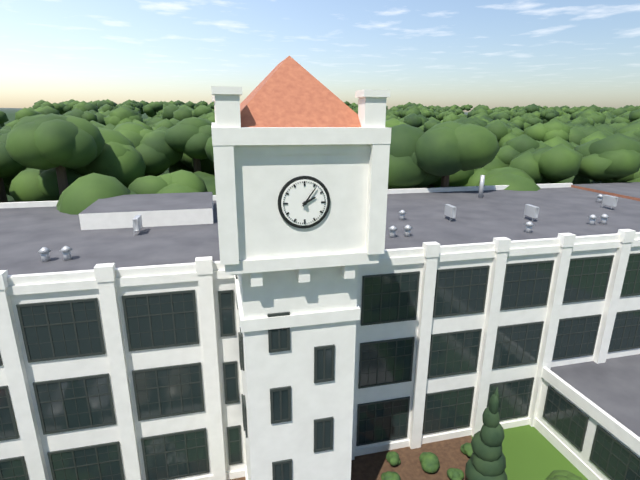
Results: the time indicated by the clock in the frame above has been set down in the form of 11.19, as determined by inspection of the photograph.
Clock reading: 2.06
